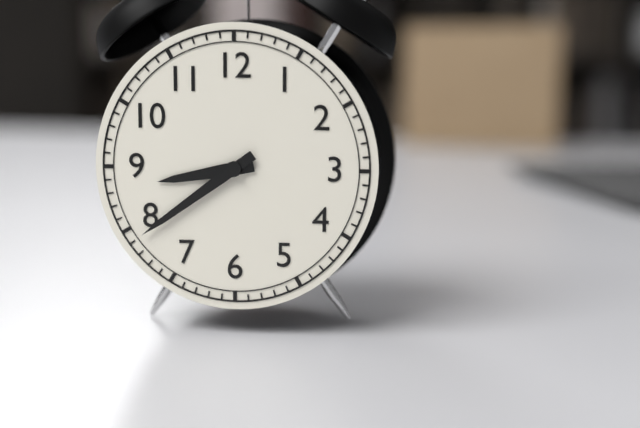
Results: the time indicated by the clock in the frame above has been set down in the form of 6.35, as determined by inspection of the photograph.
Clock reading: 8.39
